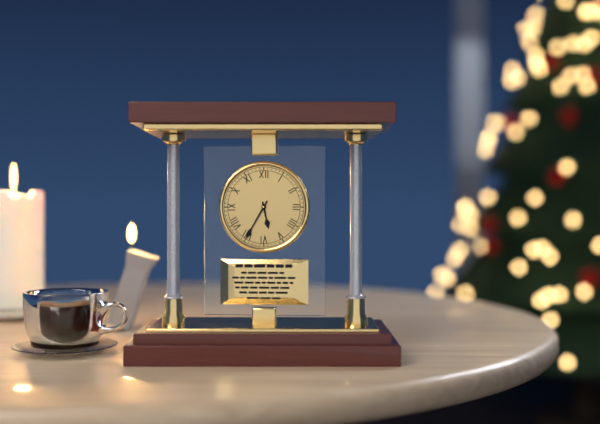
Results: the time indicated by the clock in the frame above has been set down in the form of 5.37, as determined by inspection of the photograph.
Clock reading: 5.35
